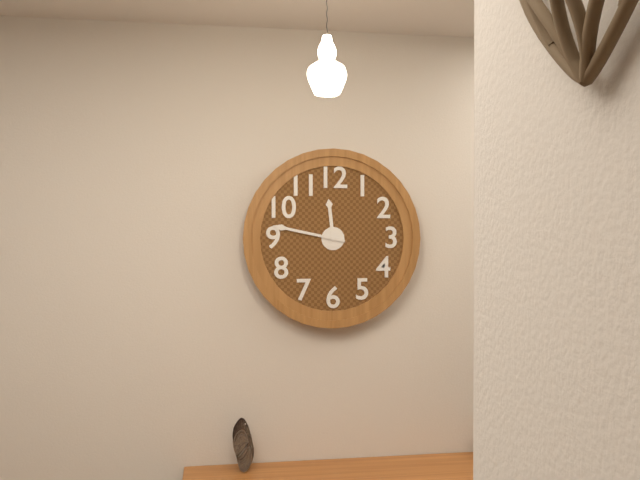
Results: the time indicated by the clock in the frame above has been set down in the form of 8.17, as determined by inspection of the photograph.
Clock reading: 11.47
